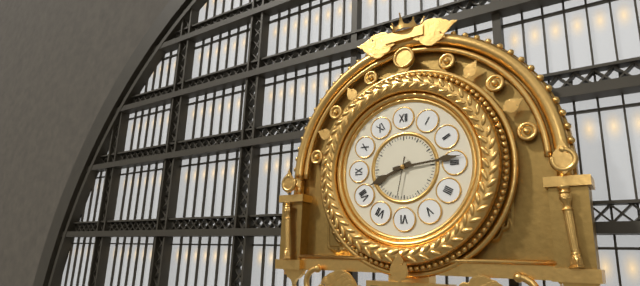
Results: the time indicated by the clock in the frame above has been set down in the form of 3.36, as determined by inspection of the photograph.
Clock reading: 8.14
